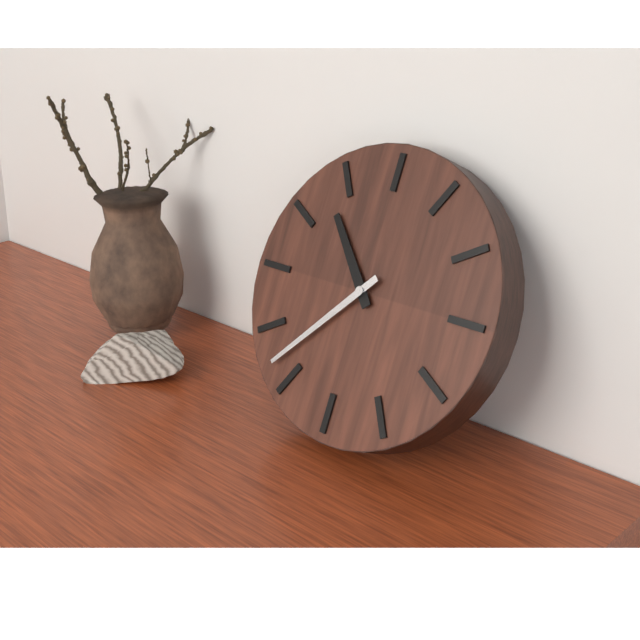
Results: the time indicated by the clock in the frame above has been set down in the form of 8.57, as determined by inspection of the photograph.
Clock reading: 10.37
